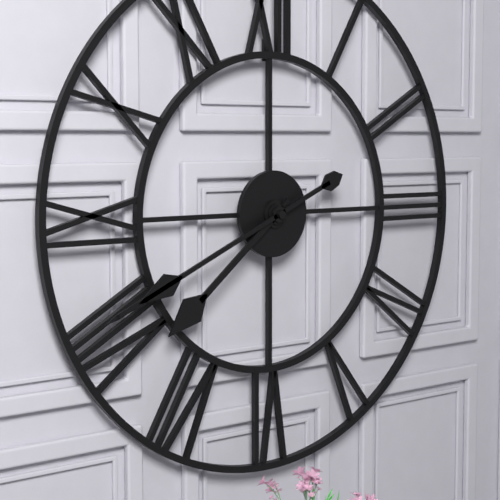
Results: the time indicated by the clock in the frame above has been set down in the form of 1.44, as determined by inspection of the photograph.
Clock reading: 7.41
